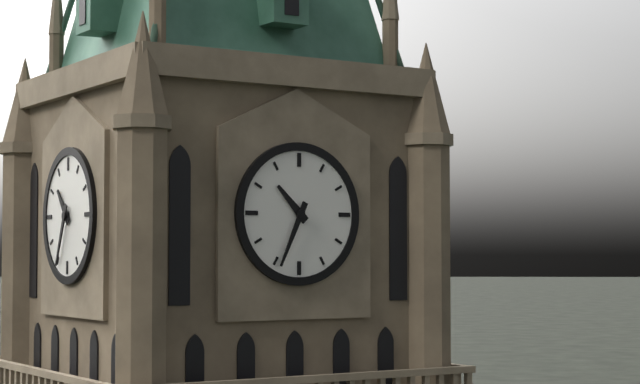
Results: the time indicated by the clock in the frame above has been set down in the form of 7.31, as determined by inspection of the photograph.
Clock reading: 10.34
